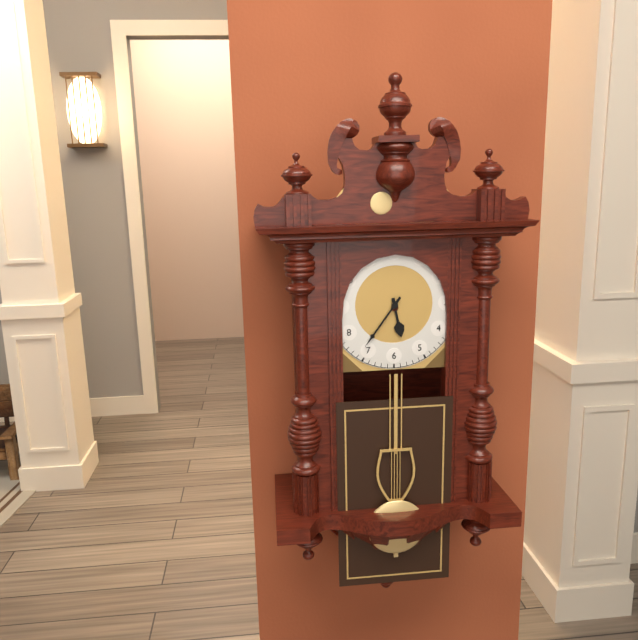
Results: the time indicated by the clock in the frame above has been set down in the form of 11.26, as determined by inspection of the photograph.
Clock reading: 5.36
